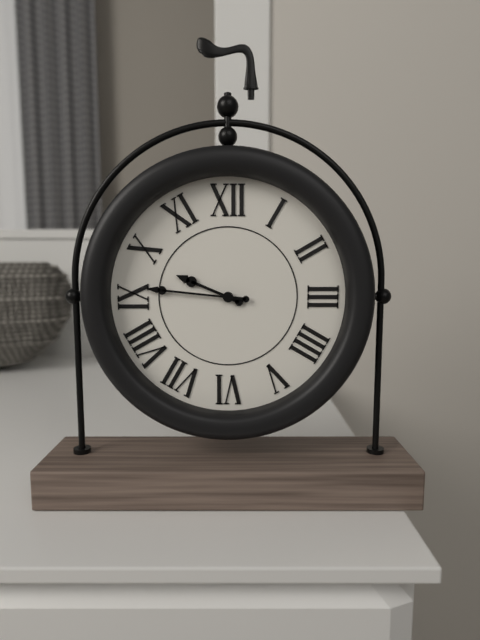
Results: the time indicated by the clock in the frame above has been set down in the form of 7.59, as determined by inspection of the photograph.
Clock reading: 9.46
